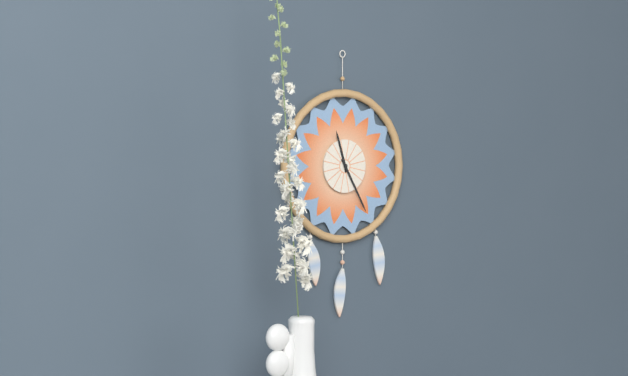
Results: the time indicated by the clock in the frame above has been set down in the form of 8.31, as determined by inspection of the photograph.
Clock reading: 11.25
